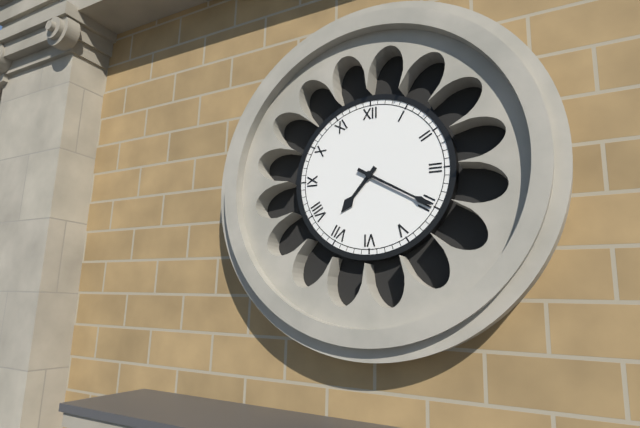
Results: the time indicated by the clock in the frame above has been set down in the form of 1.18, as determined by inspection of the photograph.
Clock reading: 7.20
